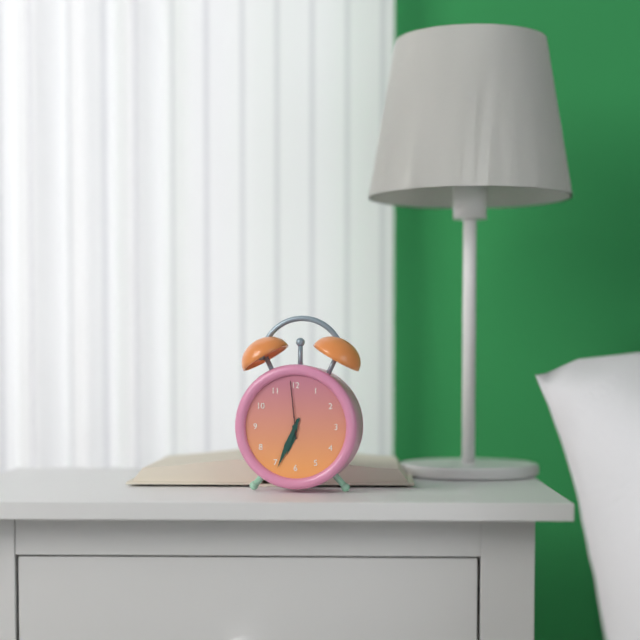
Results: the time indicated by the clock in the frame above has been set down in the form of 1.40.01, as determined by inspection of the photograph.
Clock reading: 6.34.59
